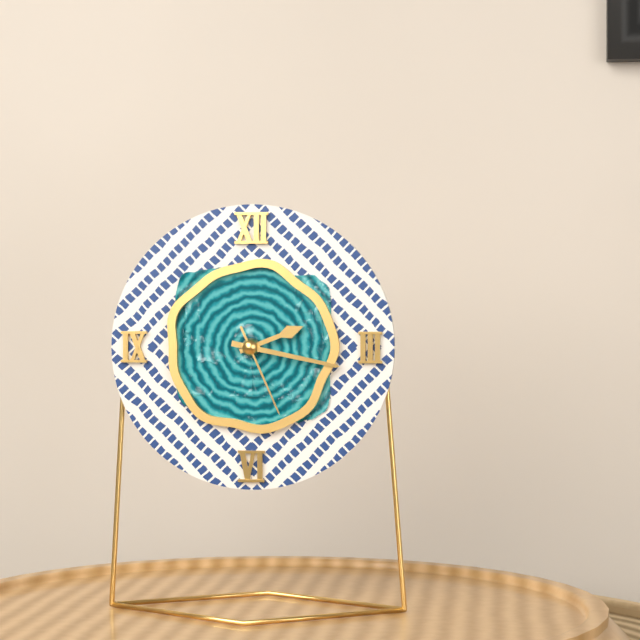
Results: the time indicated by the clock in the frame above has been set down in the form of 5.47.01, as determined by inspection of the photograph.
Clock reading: 2.17.26
